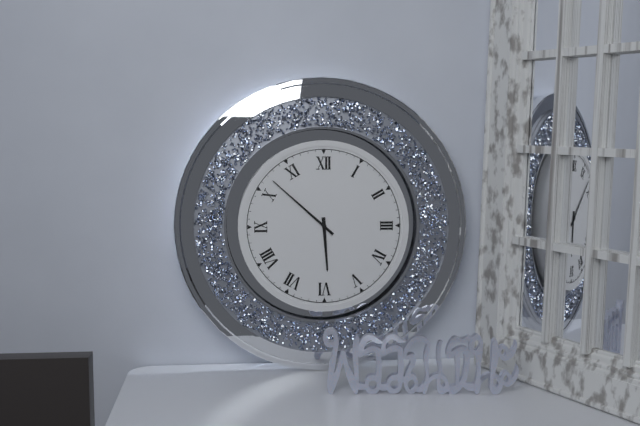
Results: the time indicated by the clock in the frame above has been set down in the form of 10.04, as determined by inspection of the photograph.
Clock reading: 5.52
